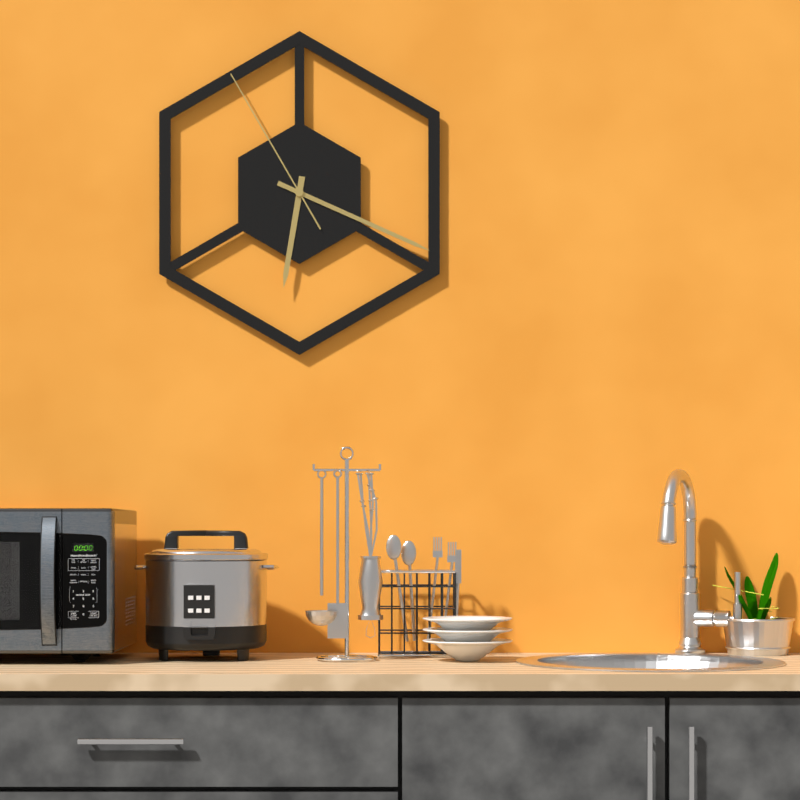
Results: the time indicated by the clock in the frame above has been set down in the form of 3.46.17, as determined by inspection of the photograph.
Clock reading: 6.19.55
